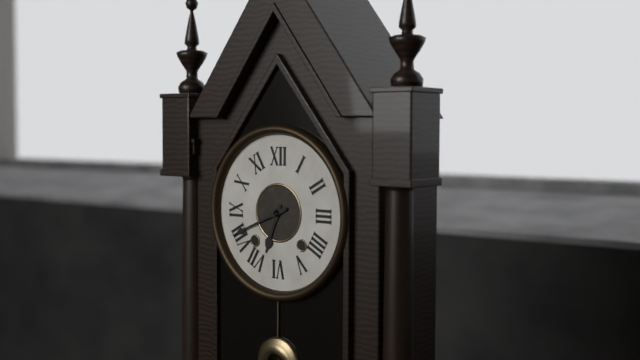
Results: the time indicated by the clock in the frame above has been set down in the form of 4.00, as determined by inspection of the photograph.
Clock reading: 6.41
